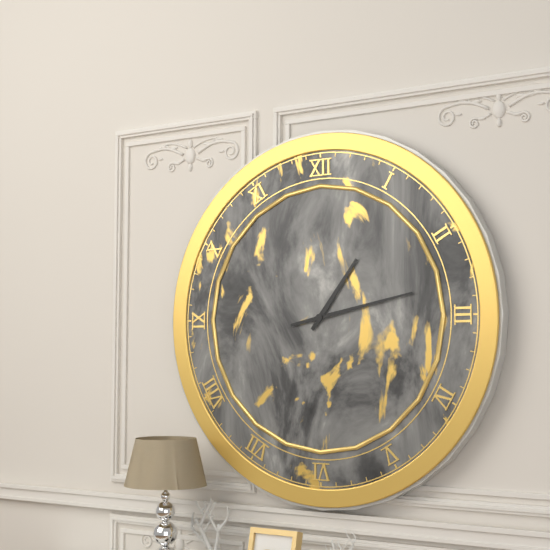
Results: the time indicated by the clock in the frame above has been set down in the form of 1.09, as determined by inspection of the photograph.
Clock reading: 1.13
